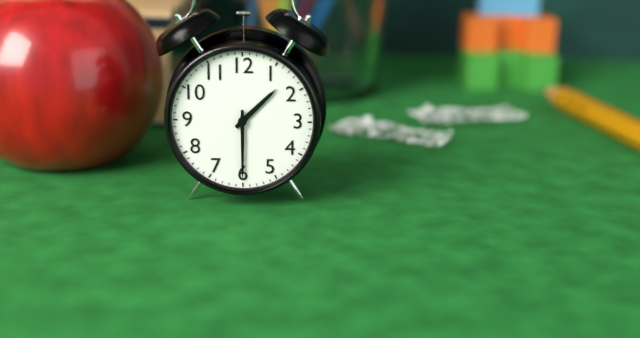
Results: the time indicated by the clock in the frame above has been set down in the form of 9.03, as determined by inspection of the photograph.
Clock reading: 1.30
